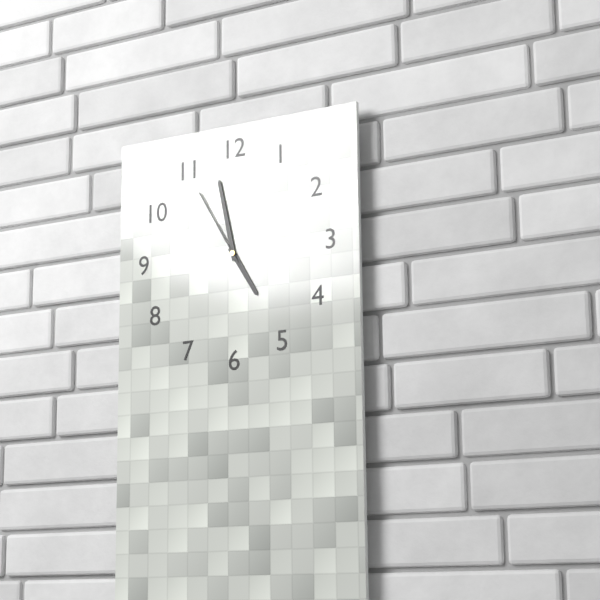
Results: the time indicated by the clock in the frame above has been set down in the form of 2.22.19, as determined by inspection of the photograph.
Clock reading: 4.58.55
